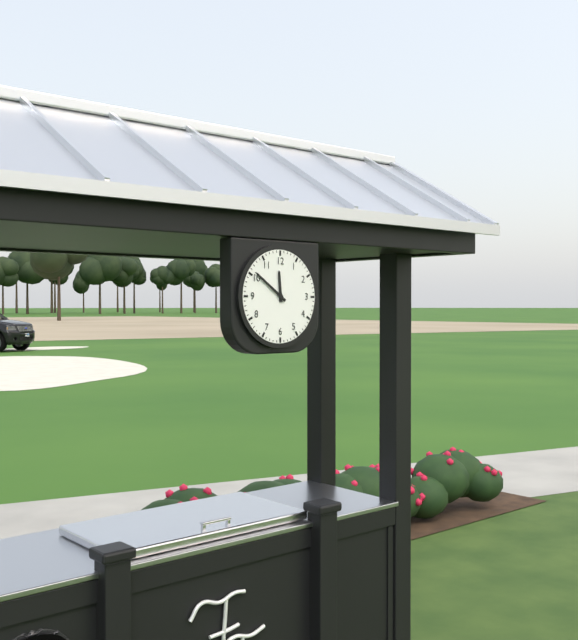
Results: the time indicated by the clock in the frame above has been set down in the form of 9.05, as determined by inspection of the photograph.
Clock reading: 11.51
